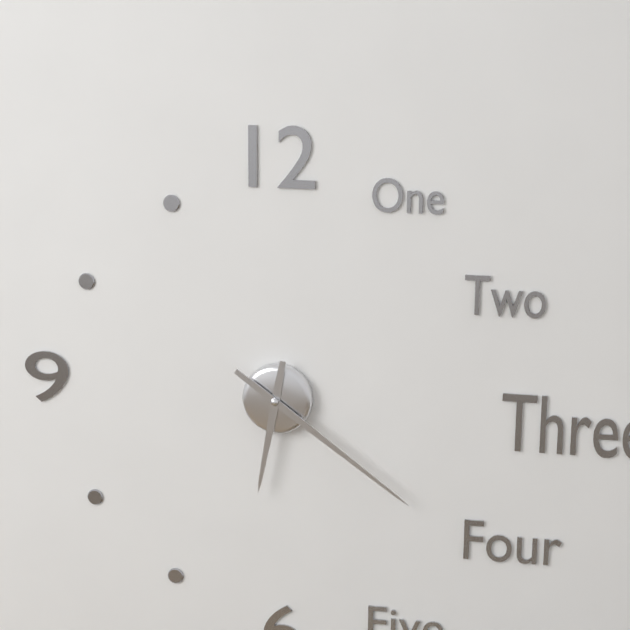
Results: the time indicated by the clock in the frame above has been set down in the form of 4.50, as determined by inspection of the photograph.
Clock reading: 6.21
